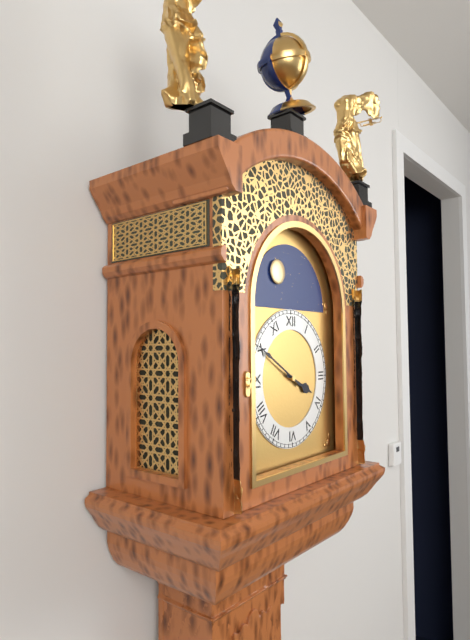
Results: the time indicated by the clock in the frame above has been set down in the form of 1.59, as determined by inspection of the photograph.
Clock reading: 3.50
